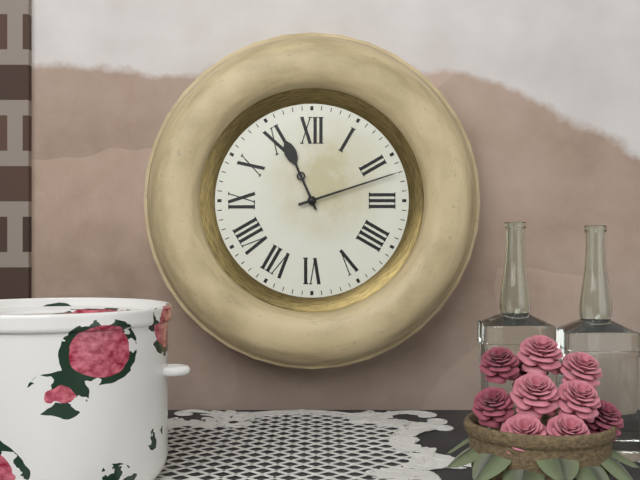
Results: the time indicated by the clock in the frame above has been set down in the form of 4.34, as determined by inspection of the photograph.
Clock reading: 11.12
